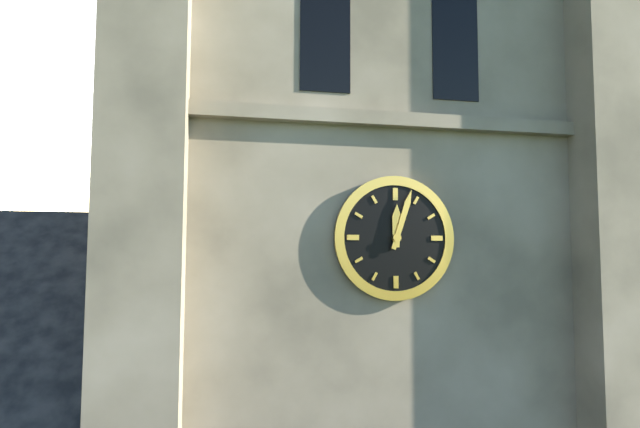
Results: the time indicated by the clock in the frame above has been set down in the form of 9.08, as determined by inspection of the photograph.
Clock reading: 12.03
